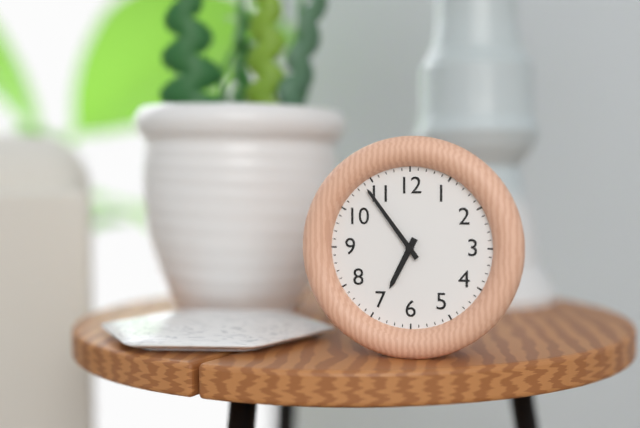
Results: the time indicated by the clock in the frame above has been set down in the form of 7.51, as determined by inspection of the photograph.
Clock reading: 6.54
